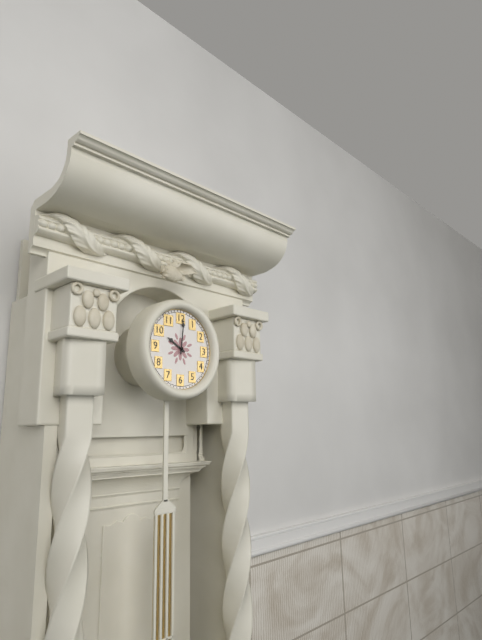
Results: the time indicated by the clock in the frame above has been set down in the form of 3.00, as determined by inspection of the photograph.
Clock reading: 10.01
